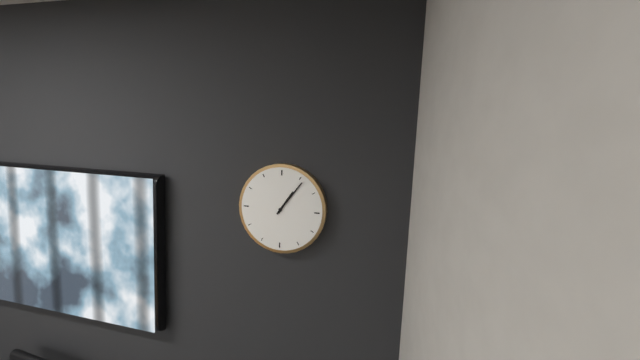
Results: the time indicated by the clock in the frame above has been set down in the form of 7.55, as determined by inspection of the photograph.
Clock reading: 1.06
